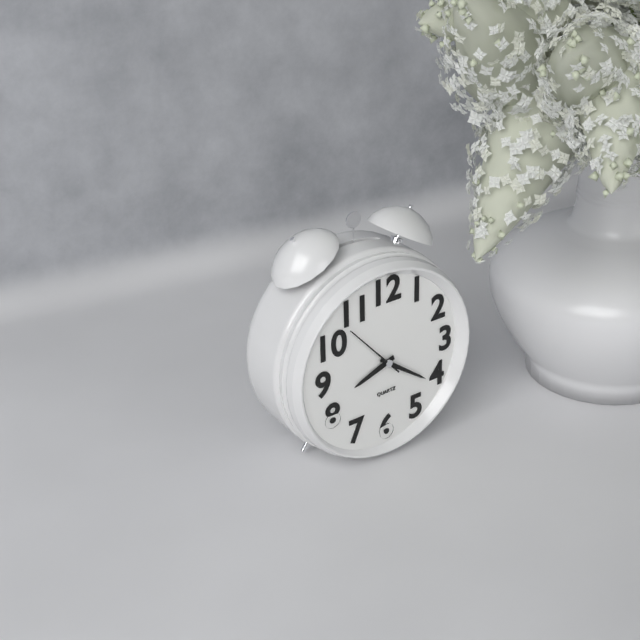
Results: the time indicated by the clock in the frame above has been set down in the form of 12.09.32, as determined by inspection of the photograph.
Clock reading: 8.21.53
